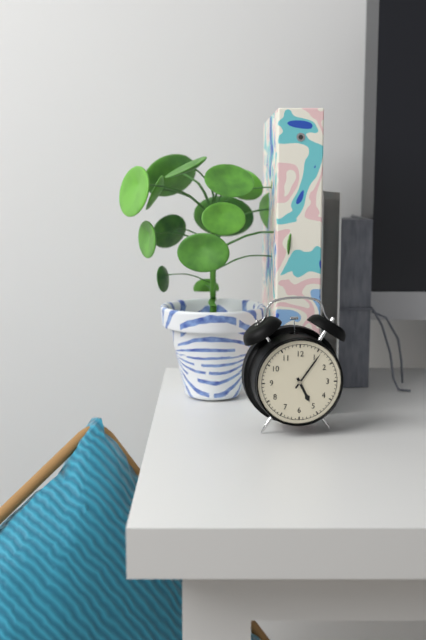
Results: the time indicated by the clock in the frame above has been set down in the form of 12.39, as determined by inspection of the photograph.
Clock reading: 5.06
